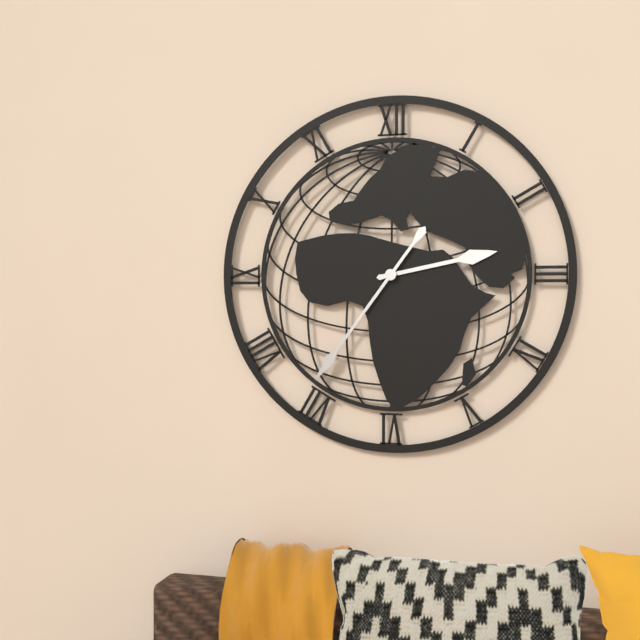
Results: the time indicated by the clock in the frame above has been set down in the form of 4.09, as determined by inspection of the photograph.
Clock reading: 2.36
